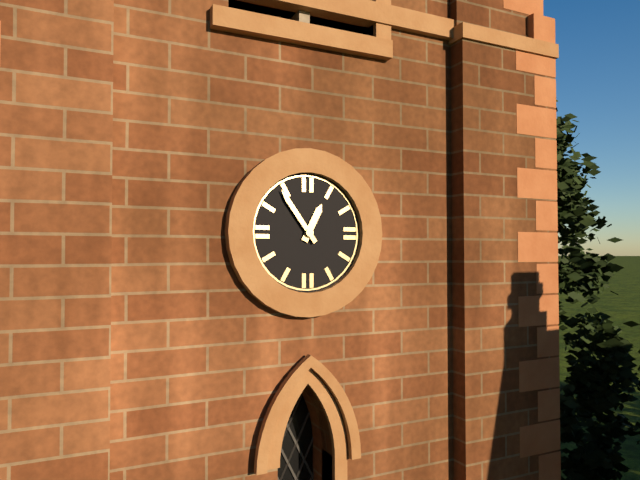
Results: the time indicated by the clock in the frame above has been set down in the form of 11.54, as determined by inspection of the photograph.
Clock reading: 12.54
